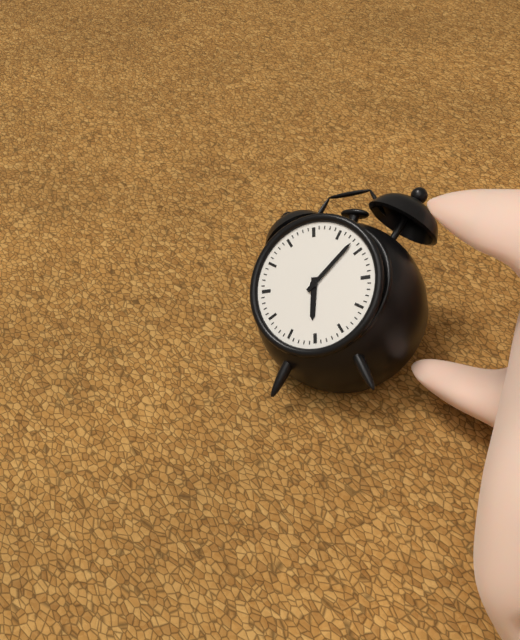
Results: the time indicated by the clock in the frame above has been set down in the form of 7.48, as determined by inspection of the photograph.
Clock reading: 6.08
